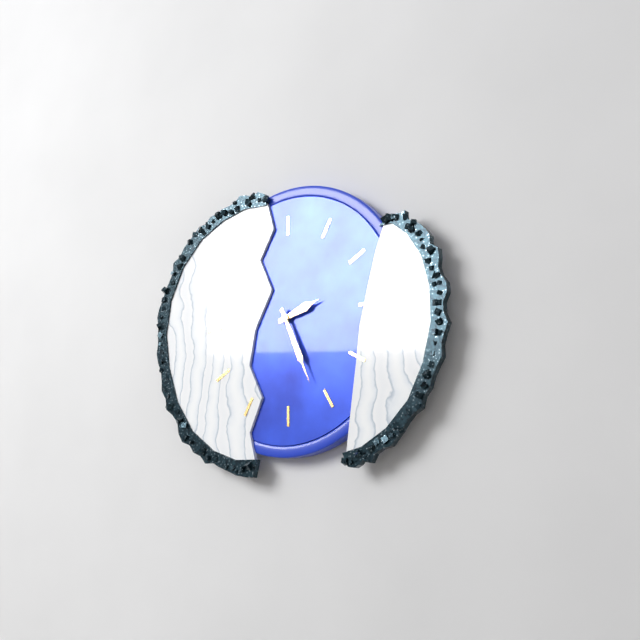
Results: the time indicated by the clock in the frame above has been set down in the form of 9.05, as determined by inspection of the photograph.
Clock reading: 2.26
